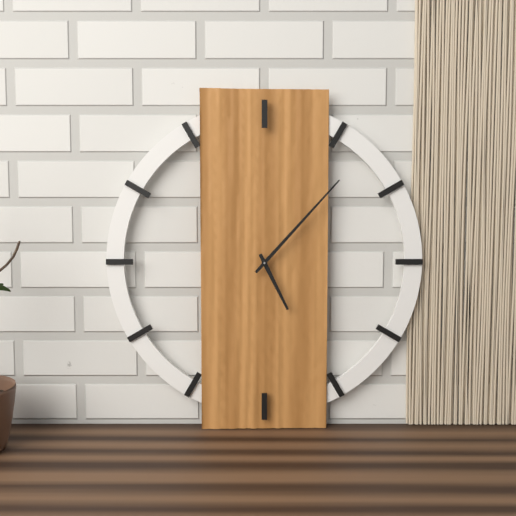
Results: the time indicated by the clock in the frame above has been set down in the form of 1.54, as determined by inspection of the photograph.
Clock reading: 5.07
